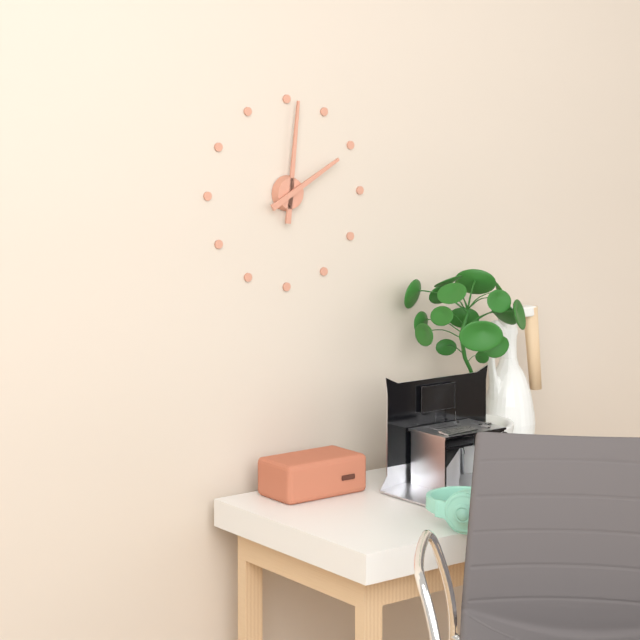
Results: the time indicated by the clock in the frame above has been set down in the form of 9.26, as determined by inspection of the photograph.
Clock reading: 2.01
